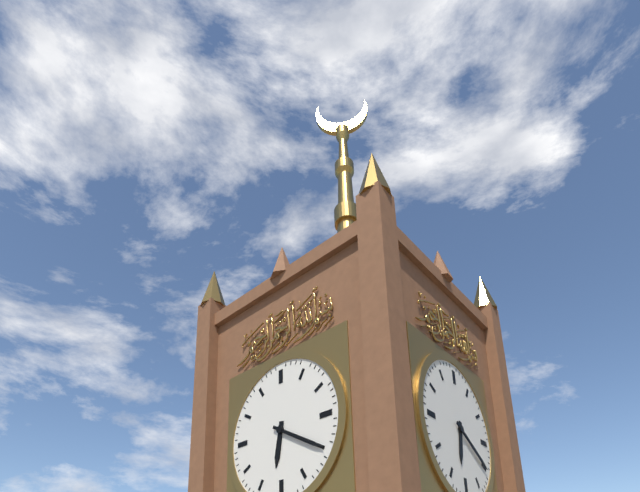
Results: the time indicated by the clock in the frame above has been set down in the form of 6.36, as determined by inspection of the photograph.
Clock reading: 6.20
